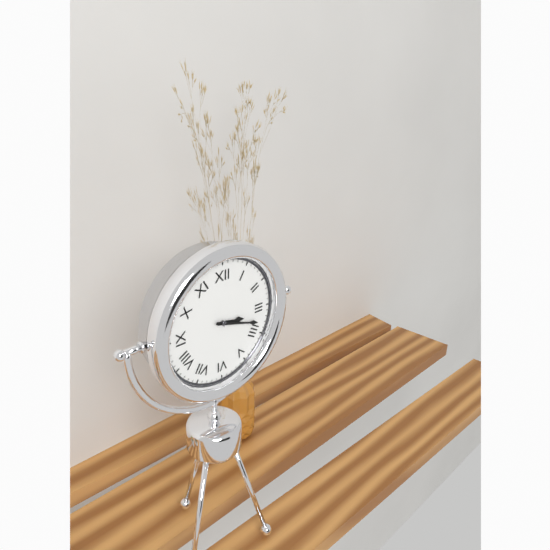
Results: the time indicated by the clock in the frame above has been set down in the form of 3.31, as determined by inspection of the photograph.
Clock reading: 3.18
